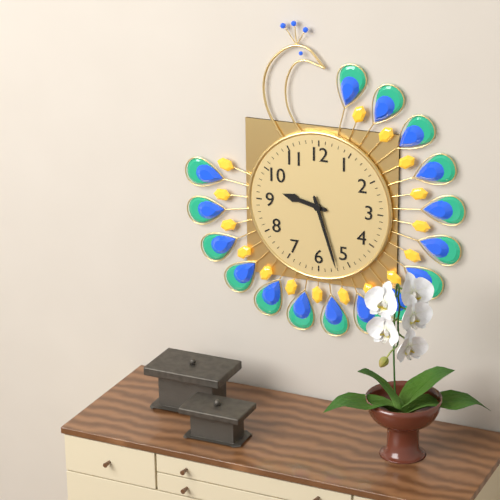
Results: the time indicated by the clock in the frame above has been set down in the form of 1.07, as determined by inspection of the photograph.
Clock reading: 9.27
